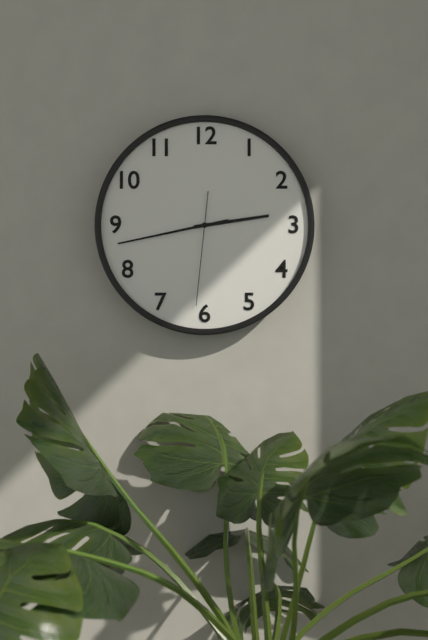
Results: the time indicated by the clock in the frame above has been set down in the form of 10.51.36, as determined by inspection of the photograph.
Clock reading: 2.43.31
